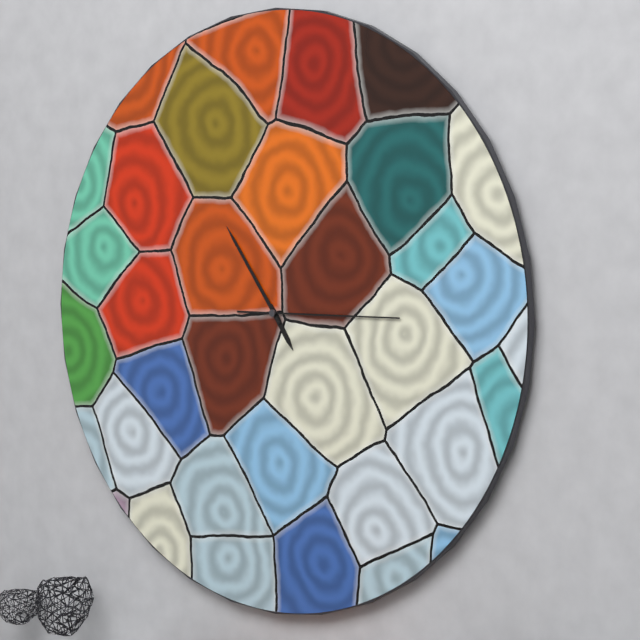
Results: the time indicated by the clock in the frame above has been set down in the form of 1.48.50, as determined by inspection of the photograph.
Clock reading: 4.54.15
